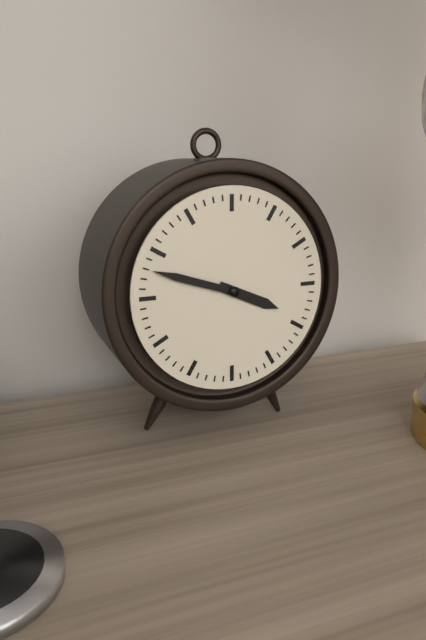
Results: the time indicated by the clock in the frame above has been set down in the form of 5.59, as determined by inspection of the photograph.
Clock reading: 3.48
